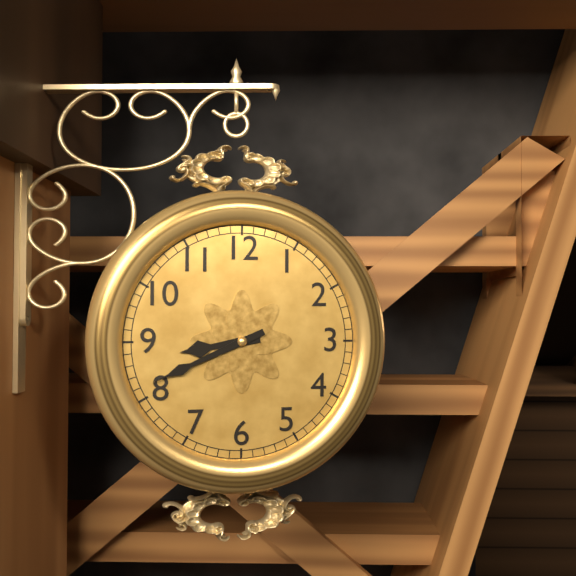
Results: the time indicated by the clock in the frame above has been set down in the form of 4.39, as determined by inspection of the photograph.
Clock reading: 8.41
